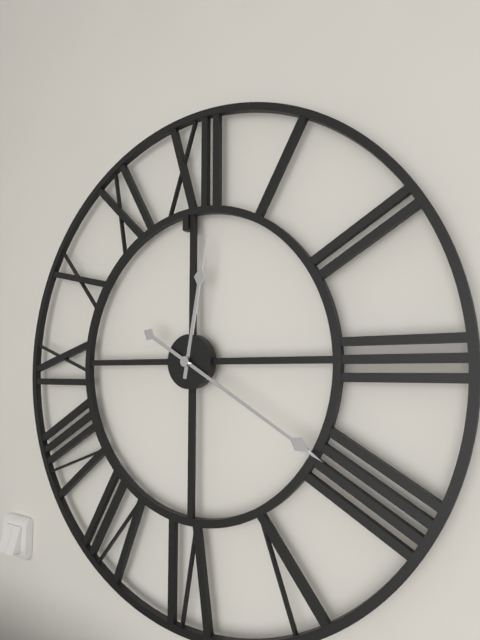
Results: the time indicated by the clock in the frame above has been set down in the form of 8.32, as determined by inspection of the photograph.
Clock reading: 12.20
